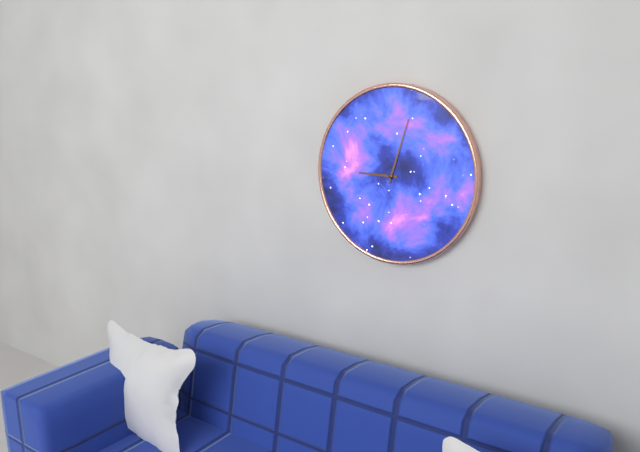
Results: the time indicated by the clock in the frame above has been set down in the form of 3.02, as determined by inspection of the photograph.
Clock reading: 9.03
